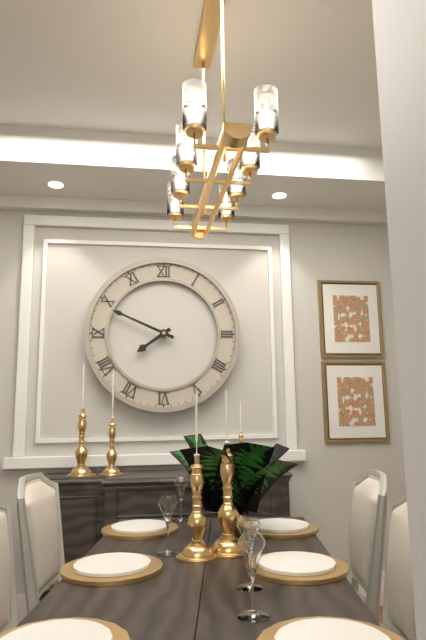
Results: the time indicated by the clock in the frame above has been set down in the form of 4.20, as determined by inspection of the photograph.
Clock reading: 7.49
